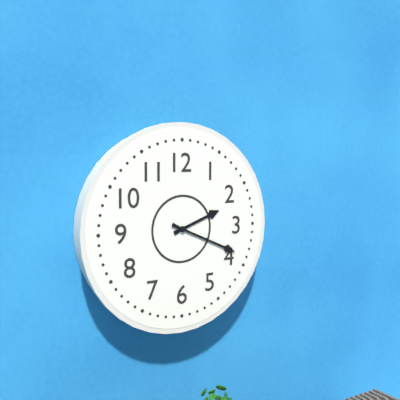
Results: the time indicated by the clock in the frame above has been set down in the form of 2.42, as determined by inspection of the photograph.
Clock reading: 2.19
